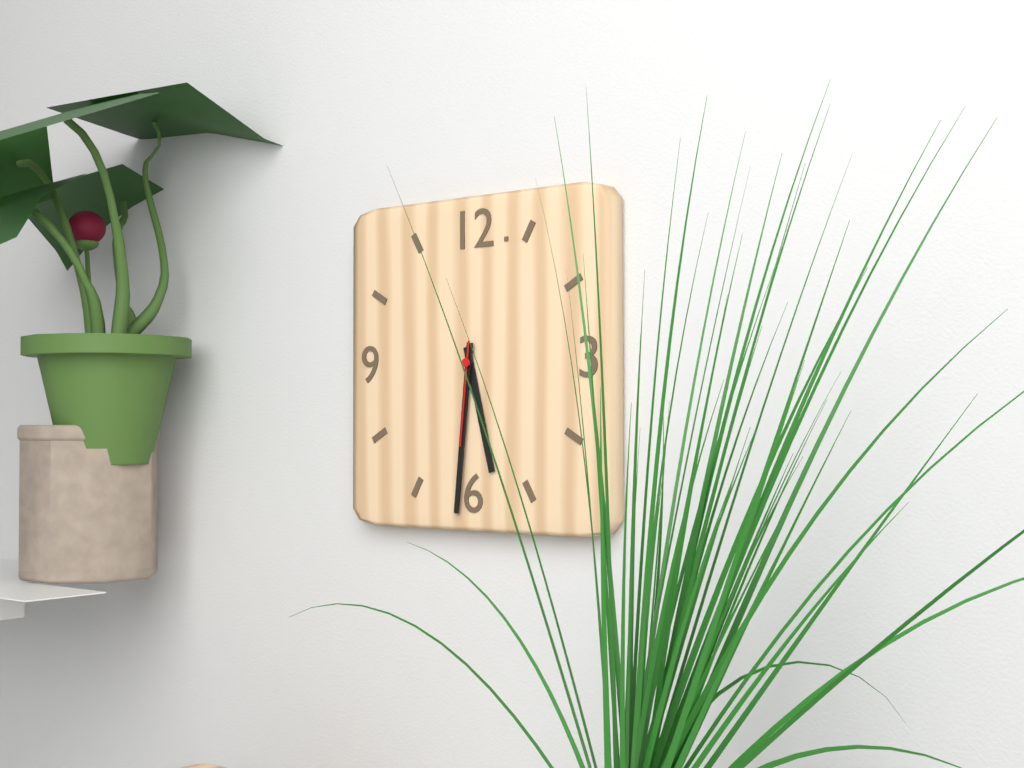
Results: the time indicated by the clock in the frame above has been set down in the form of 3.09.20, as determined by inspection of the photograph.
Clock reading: 5.31.31
